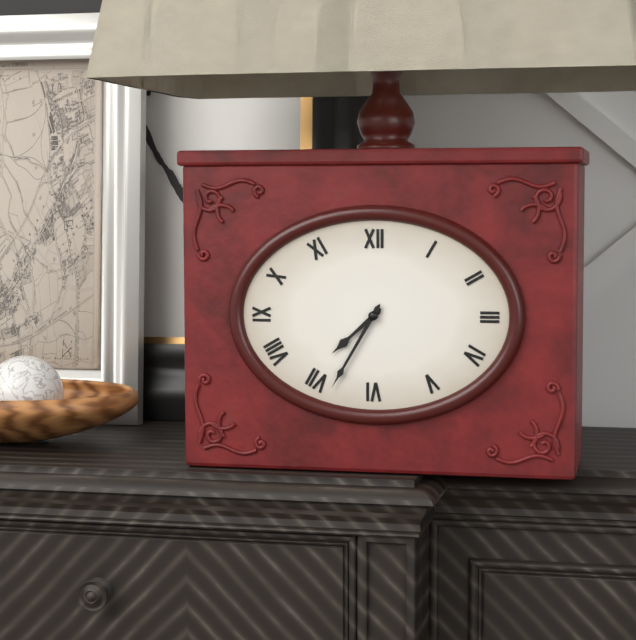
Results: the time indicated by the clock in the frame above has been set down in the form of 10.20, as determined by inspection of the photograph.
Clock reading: 7.35
